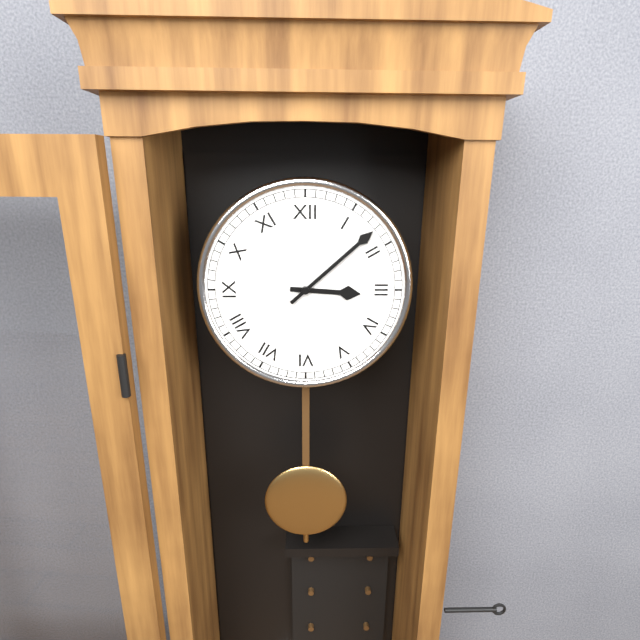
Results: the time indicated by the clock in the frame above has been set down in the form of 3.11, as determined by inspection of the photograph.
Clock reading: 3.08
